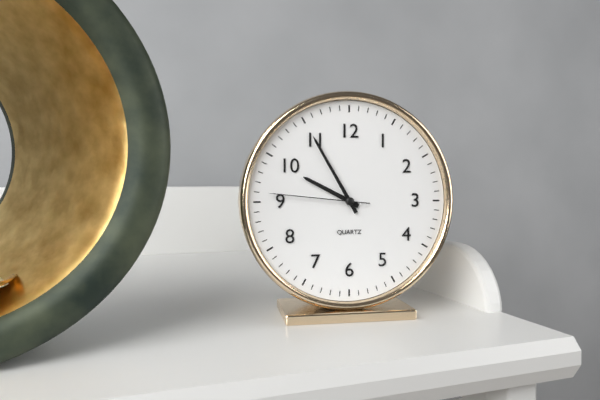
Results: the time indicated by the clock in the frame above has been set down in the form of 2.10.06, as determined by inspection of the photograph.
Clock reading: 9.55.46
